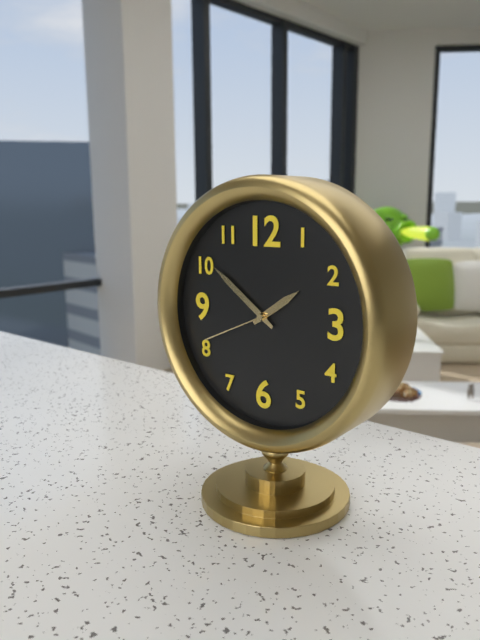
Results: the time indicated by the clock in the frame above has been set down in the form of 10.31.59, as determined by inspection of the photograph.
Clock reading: 1.51.41
